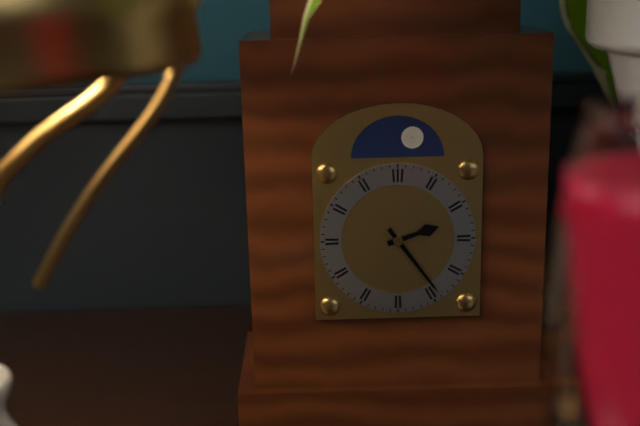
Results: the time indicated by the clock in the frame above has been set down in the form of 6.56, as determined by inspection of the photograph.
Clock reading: 2.24
